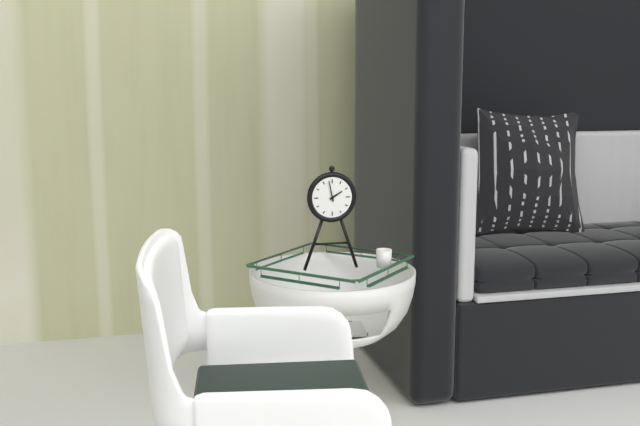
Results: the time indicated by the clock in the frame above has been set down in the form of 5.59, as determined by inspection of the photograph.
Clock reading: 1.58
